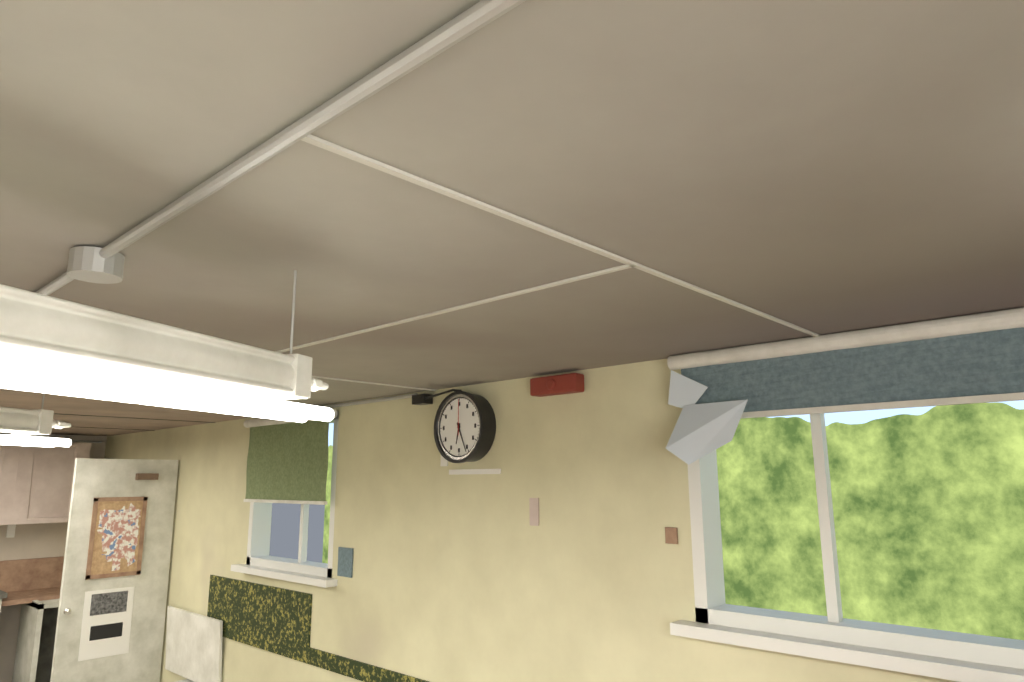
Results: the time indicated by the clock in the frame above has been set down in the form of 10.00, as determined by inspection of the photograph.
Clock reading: 6.26
